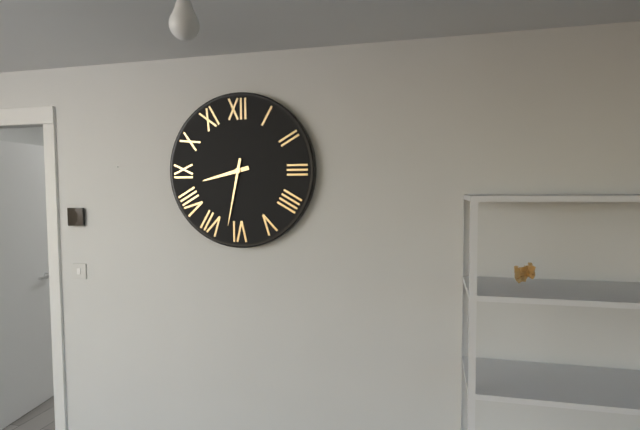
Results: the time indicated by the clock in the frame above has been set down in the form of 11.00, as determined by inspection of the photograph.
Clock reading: 8.32
